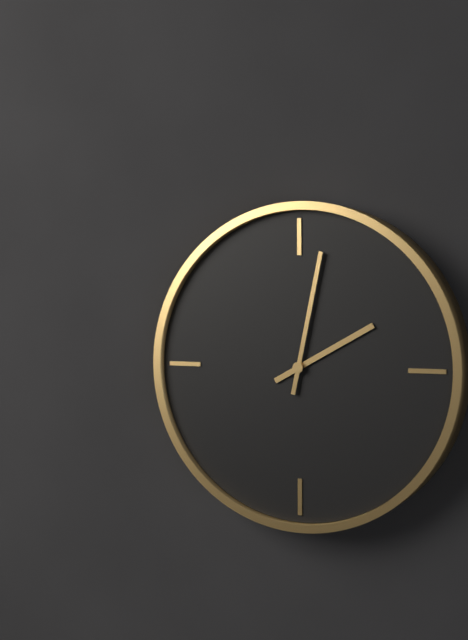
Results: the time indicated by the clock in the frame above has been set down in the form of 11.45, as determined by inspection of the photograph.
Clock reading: 2.02
